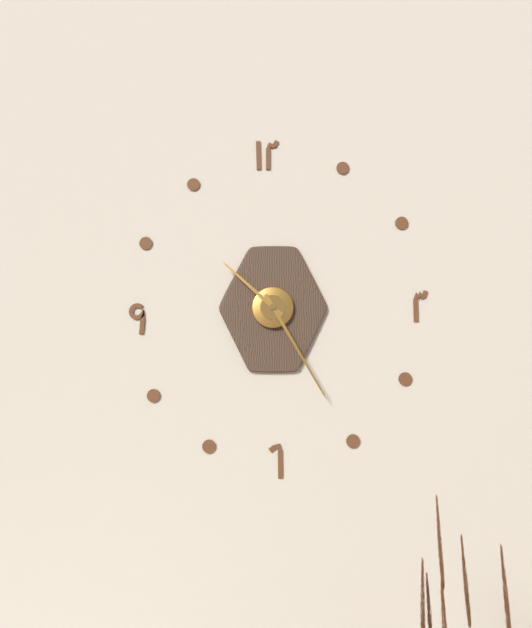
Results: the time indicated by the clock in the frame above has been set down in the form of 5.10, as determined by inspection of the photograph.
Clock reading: 10.25
